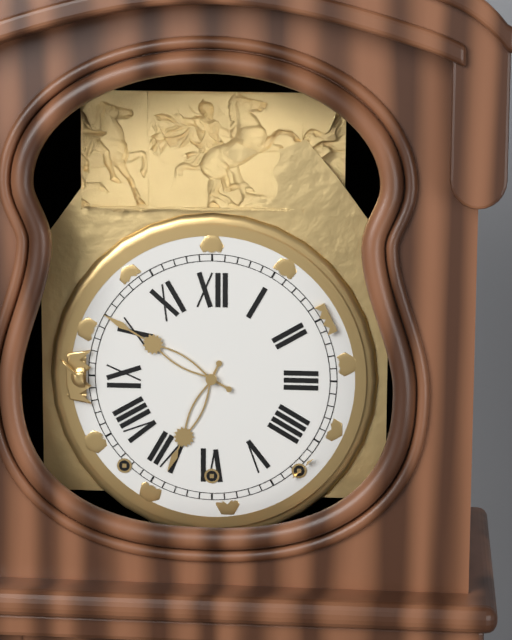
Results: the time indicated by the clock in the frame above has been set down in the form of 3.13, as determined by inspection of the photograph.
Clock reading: 6.50
